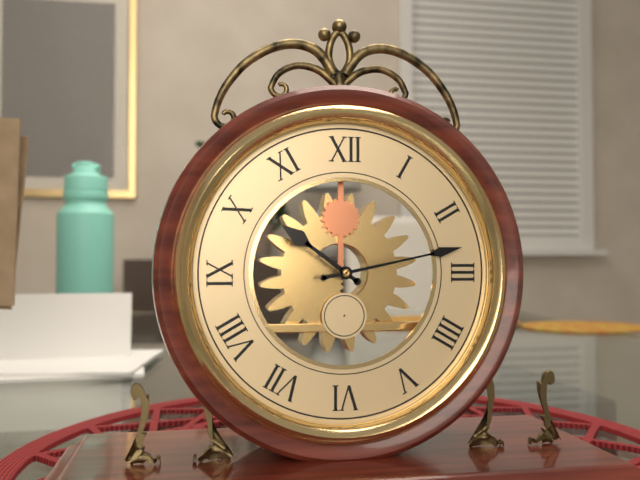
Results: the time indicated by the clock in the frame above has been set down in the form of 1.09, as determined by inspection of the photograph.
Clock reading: 10.13
